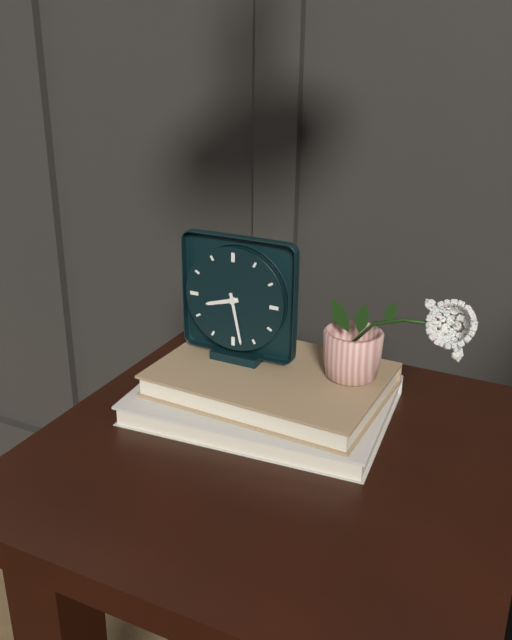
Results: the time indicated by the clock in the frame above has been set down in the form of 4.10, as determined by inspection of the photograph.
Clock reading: 8.28
